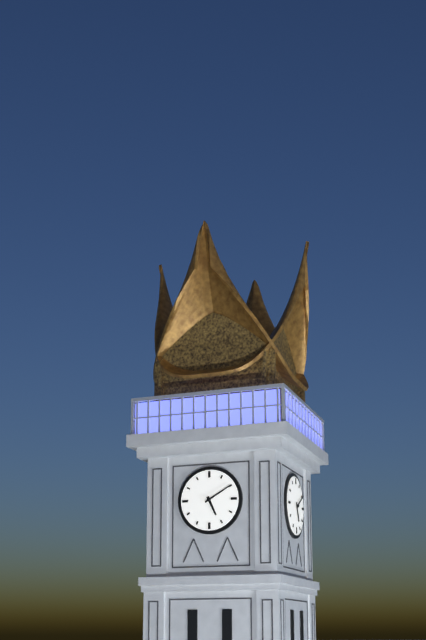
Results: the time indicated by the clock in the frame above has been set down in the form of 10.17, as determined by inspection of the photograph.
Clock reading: 5.10
